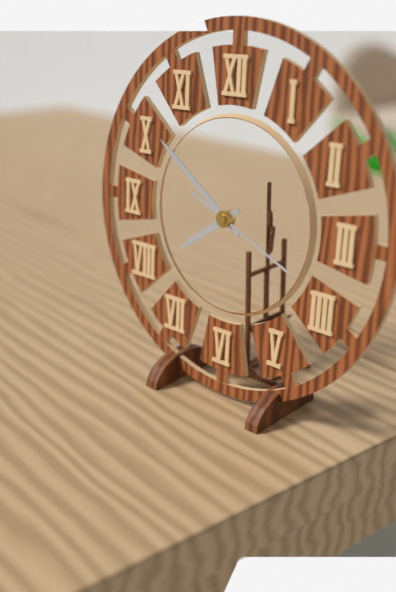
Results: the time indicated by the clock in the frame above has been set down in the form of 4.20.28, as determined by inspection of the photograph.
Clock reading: 7.51.19
